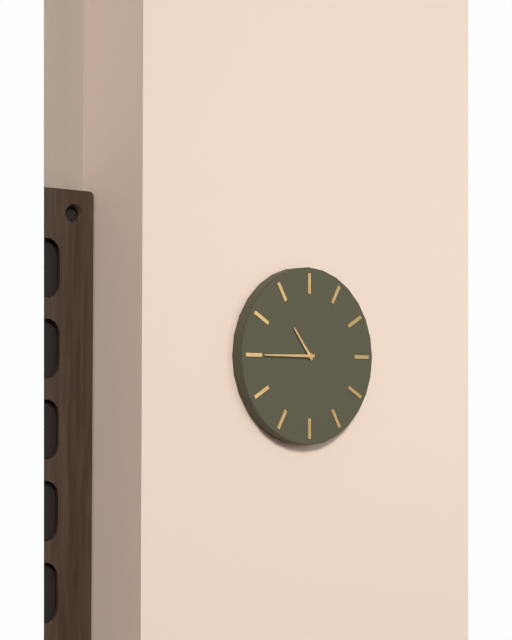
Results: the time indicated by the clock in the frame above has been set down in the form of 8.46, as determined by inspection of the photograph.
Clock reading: 10.45
